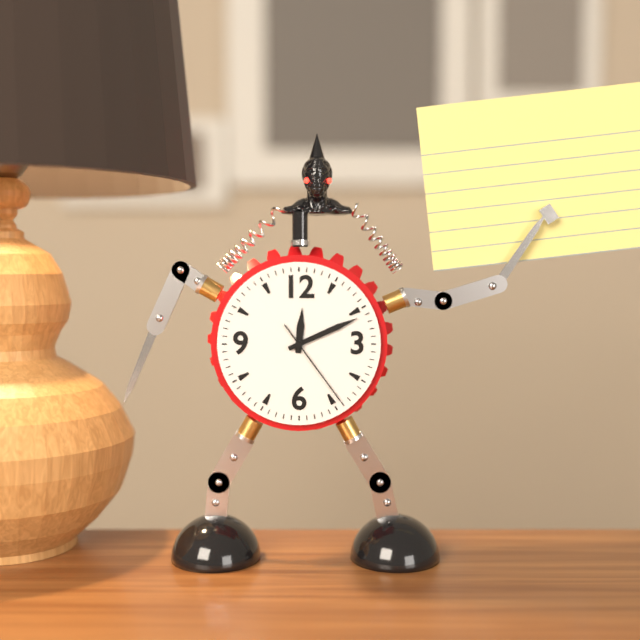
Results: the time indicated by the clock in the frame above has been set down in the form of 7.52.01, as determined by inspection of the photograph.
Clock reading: 12.11.24
